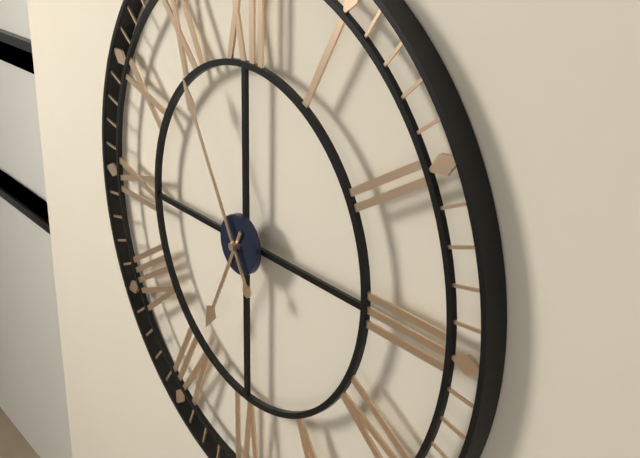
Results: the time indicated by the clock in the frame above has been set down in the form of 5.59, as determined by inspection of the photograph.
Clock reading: 6.55
